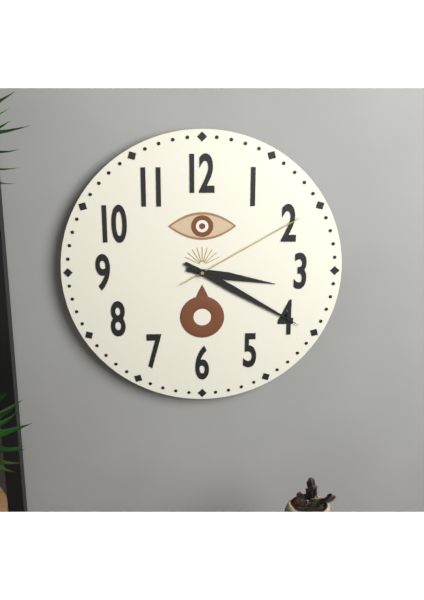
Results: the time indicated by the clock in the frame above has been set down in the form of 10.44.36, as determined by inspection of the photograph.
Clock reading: 3.20.10
